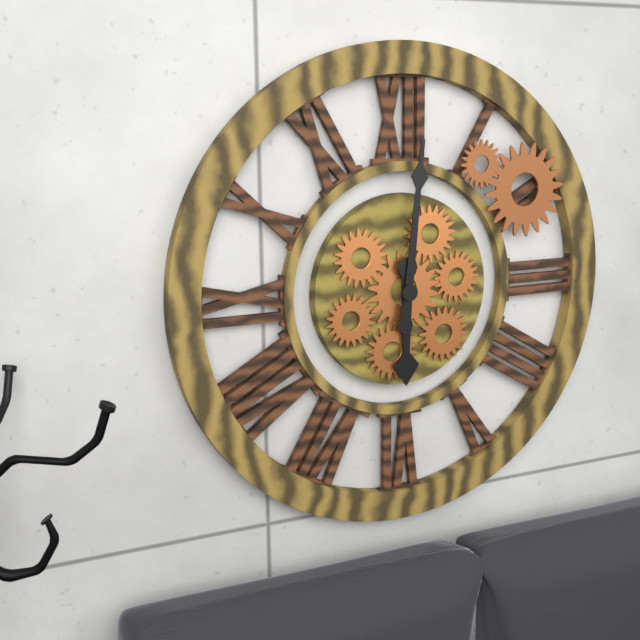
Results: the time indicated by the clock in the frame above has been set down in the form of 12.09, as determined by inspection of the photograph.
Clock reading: 6.01
